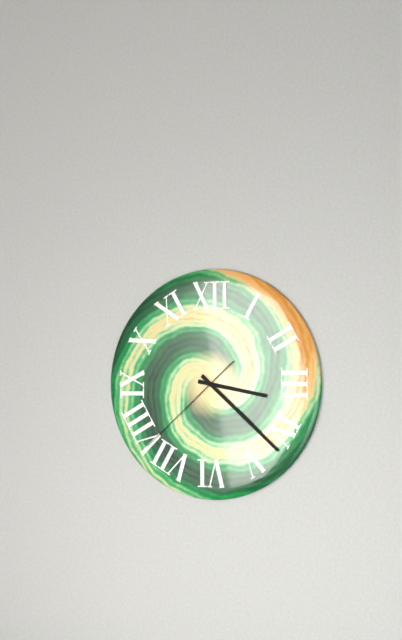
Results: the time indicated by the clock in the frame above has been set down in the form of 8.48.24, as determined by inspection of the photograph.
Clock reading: 3.22.38
